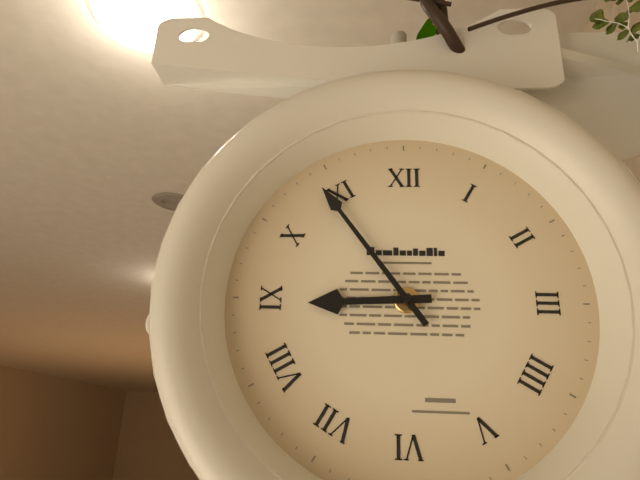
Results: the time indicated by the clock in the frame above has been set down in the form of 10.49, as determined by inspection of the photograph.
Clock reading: 8.54
